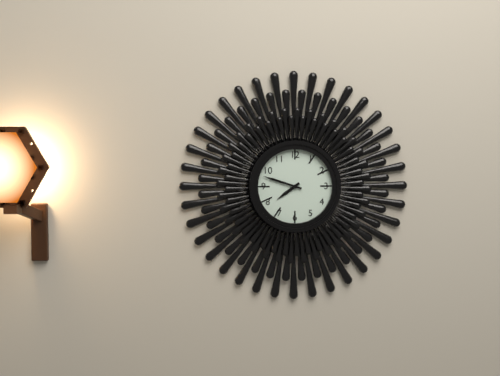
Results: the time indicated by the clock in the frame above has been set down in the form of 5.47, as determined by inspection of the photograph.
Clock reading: 7.48
